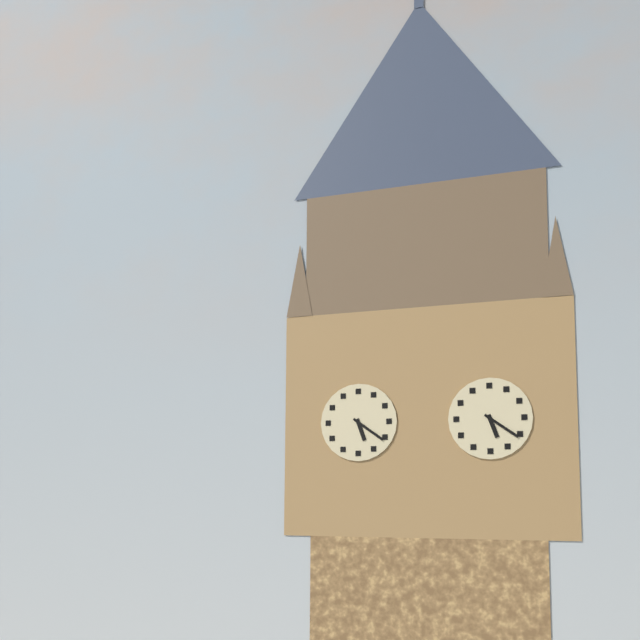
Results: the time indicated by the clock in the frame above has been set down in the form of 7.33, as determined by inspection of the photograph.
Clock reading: 5.21
